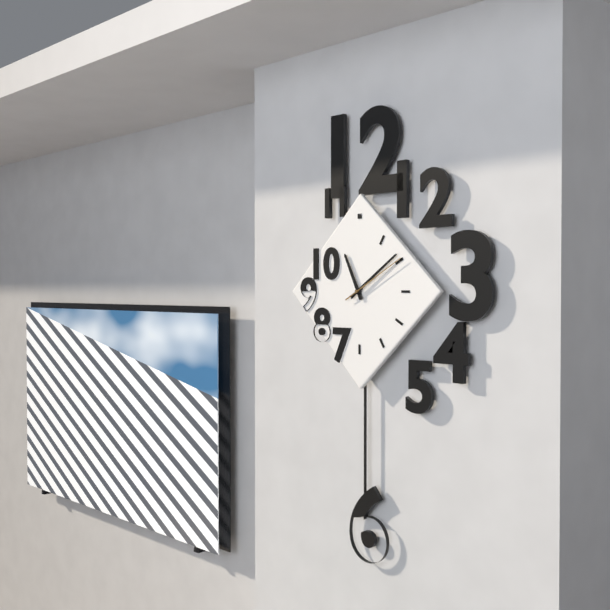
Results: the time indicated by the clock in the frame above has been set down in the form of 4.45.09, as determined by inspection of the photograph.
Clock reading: 11.09.10
